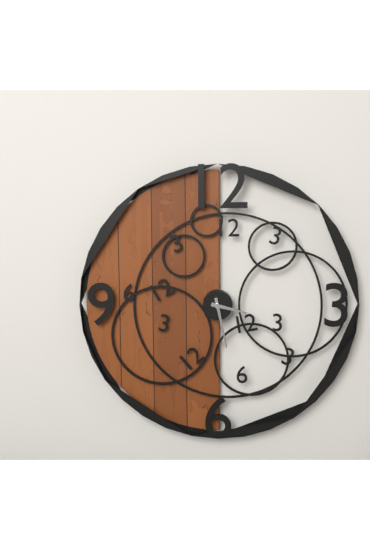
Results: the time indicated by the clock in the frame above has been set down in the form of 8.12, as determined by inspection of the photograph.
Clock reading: 3.28
